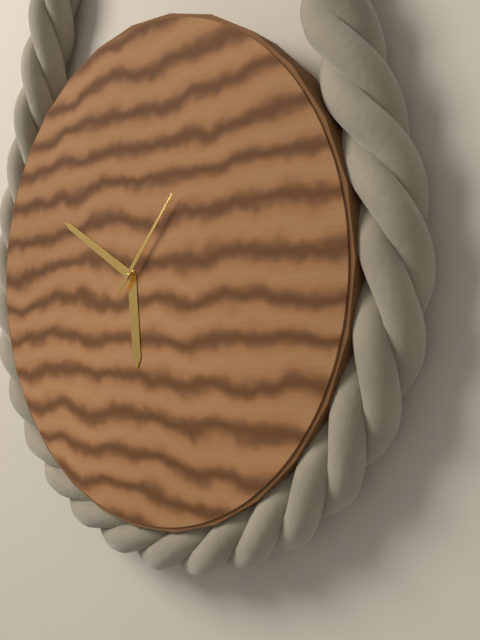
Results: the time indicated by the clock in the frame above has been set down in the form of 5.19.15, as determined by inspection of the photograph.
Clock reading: 5.50.07
